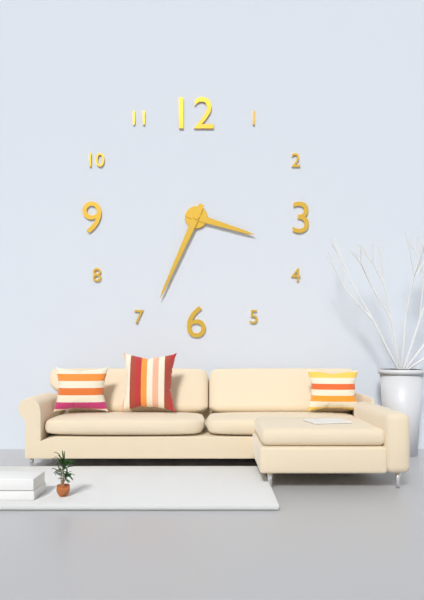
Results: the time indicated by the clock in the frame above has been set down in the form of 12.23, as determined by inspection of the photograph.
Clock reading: 3.34
